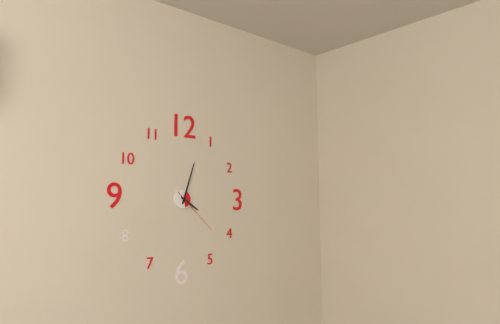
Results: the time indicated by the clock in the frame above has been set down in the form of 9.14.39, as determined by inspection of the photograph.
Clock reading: 4.03.22
